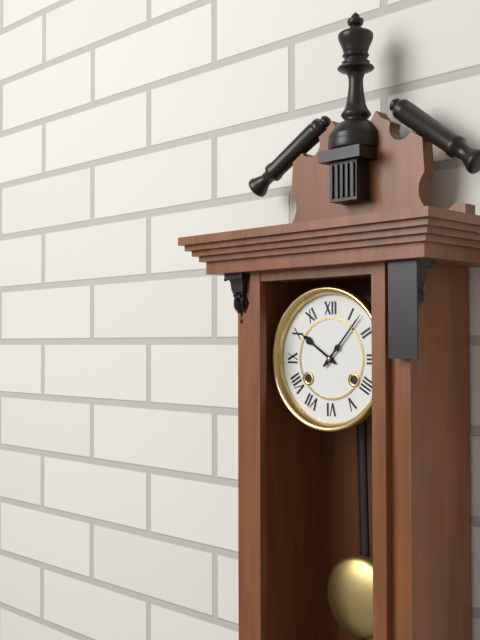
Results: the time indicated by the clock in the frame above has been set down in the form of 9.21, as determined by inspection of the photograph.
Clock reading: 10.07
